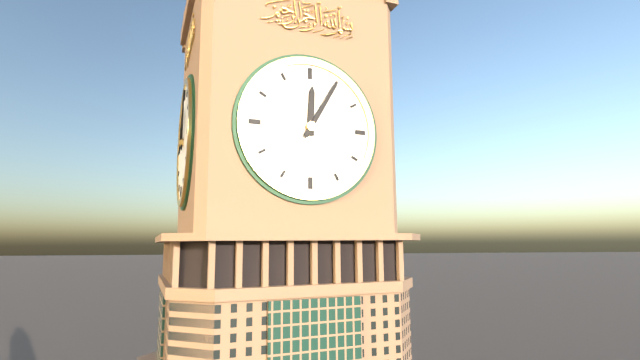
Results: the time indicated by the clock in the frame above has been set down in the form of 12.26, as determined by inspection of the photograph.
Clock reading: 12.05
